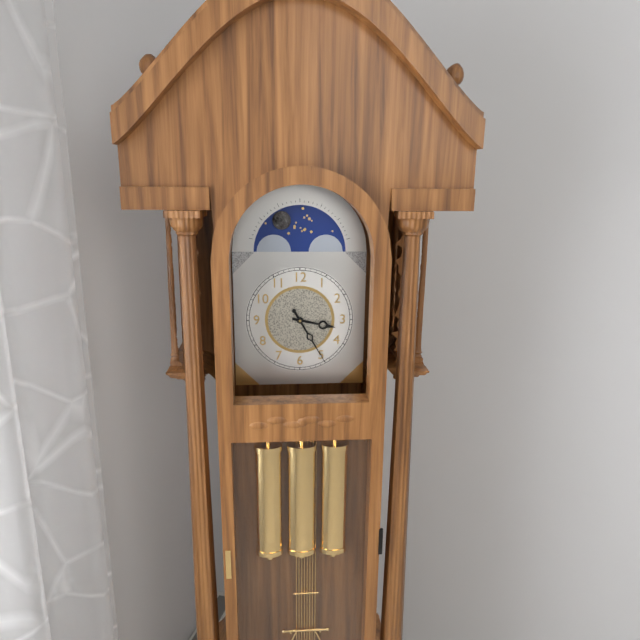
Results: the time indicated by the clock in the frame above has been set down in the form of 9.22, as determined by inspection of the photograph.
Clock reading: 3.25
